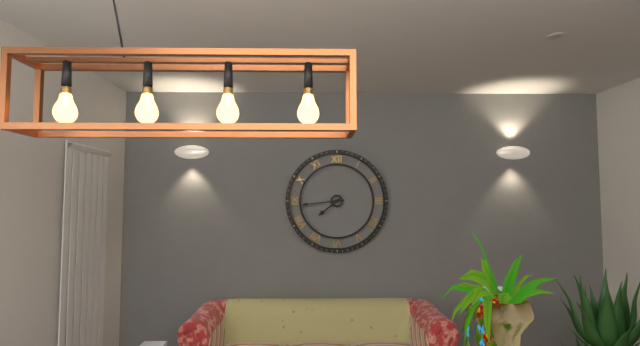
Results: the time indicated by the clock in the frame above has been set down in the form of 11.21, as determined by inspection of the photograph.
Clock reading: 7.44
